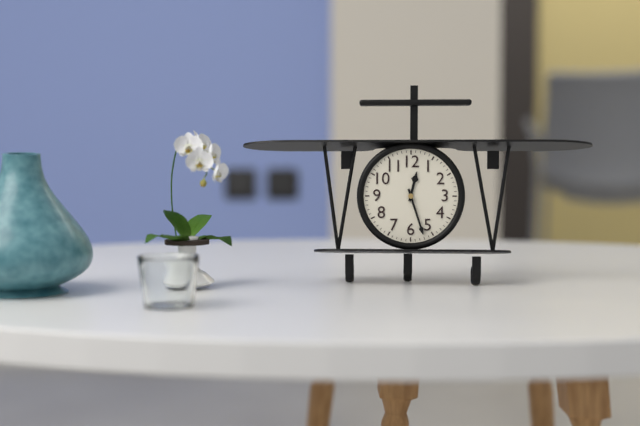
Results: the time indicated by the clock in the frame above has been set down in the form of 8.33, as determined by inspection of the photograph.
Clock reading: 12.27
